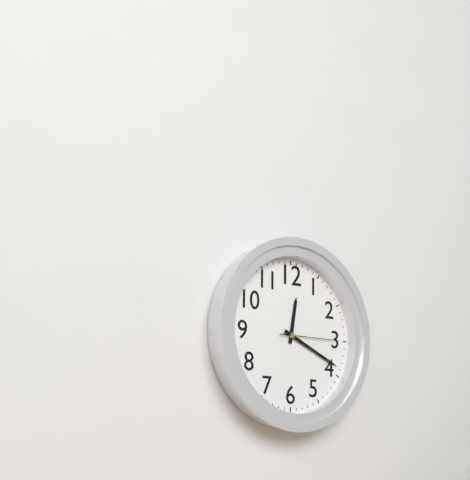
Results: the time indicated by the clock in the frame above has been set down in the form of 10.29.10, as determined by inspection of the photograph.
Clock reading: 12.19.15
